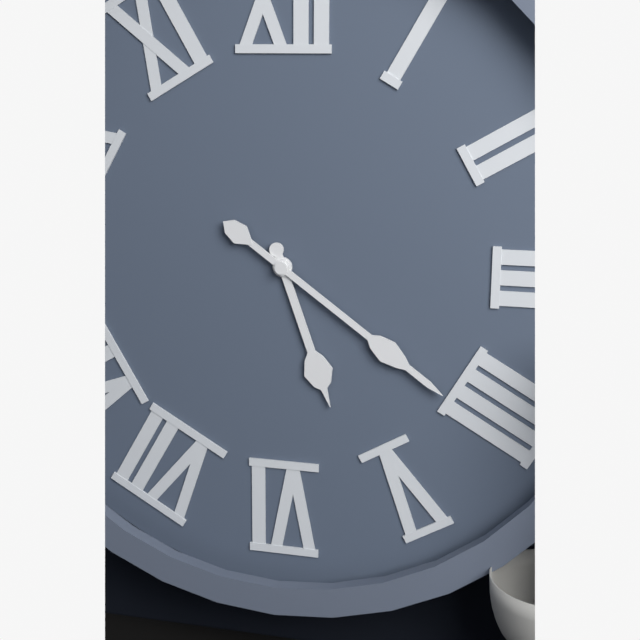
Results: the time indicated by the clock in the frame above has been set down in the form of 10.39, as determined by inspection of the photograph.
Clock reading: 5.21
